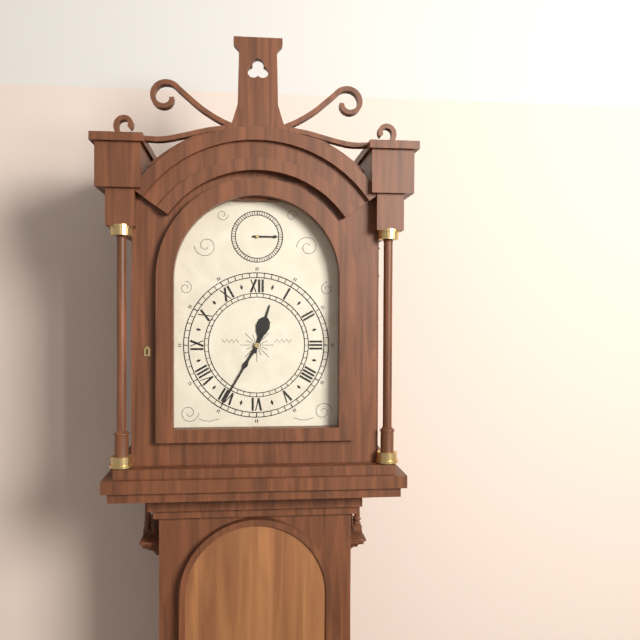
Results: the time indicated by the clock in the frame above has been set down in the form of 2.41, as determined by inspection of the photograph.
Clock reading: 12.35
